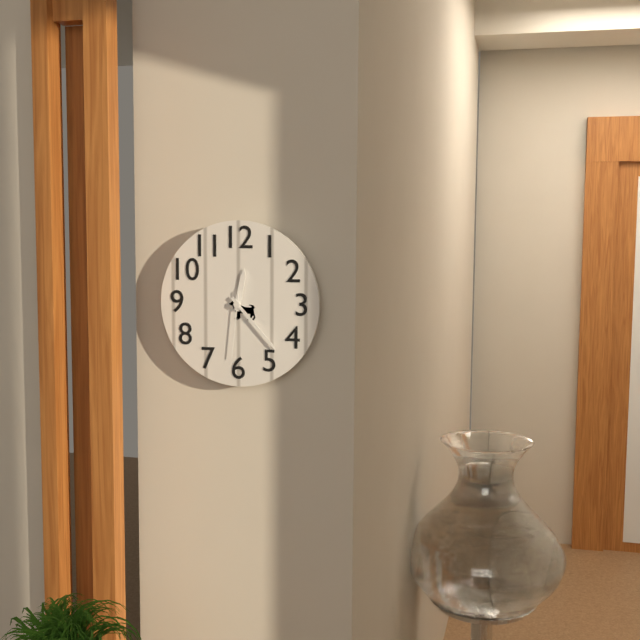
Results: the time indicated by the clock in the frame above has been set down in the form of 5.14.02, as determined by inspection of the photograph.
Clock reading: 12.23.31
